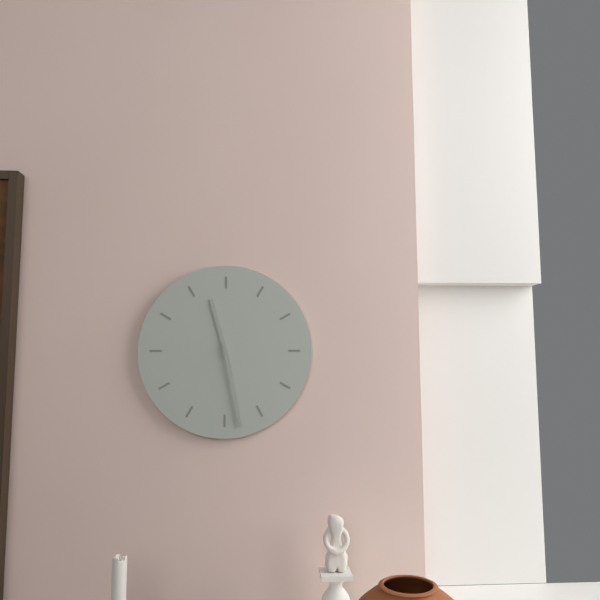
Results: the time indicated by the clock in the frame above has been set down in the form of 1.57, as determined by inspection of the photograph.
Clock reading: 11.28
